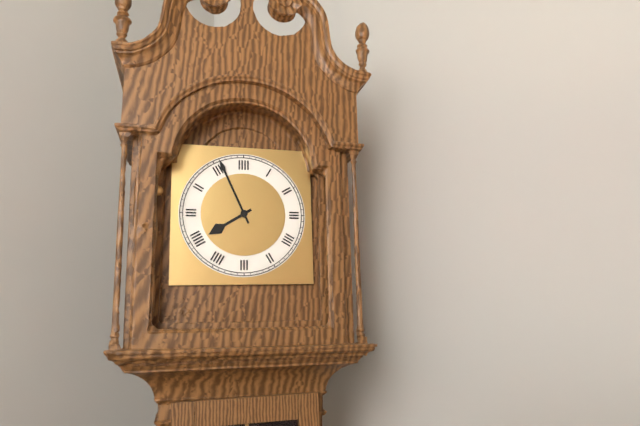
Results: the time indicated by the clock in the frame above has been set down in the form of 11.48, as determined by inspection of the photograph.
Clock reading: 7.56
